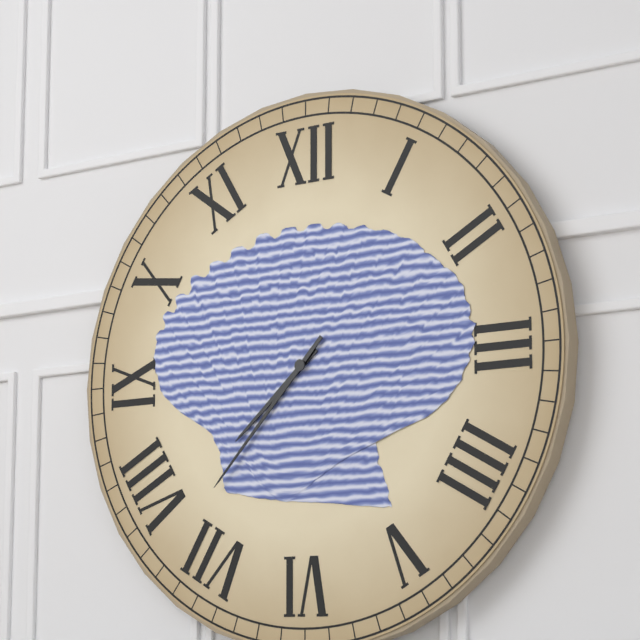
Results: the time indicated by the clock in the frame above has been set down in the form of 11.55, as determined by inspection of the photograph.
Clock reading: 7.37
